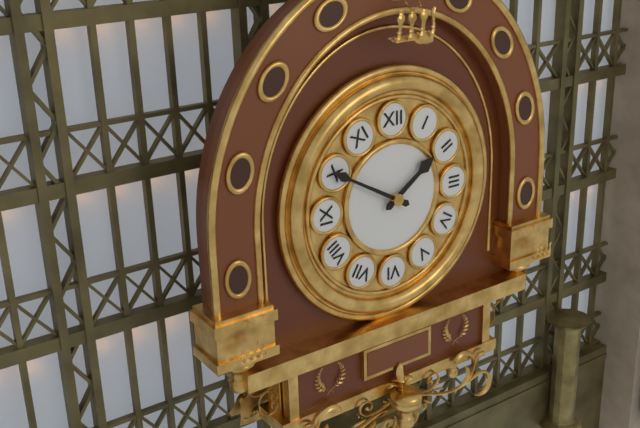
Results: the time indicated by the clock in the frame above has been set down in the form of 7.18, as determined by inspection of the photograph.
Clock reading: 1.50
